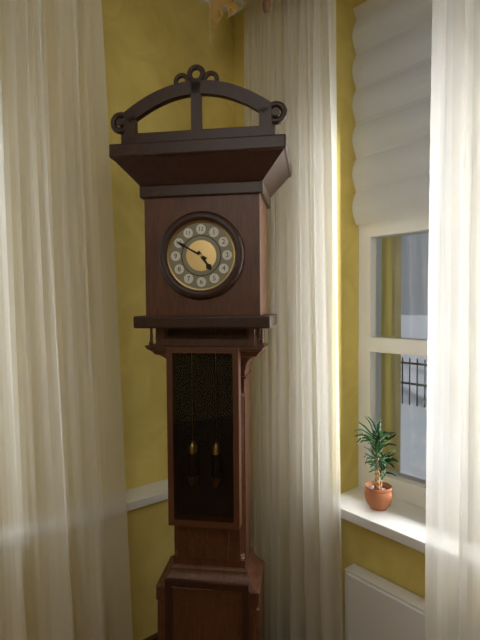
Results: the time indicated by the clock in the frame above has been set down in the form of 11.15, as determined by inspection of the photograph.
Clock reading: 4.50
